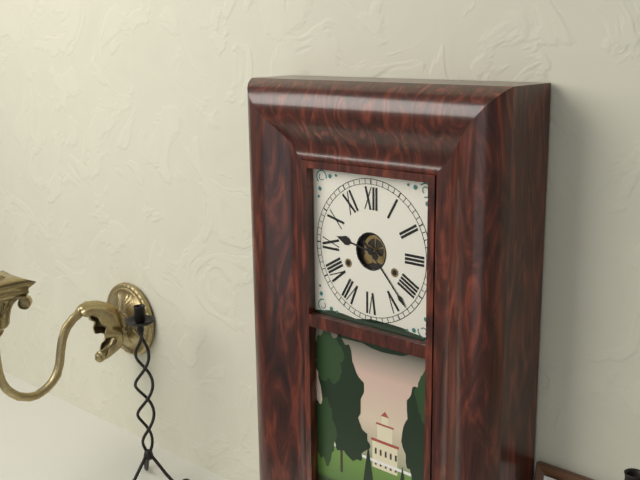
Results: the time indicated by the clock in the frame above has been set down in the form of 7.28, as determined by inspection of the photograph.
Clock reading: 9.23
